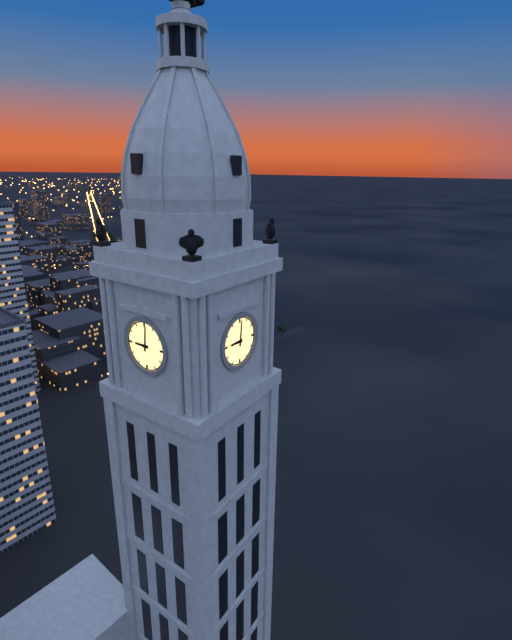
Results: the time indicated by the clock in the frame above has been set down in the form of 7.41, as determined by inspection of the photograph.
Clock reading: 9.01
